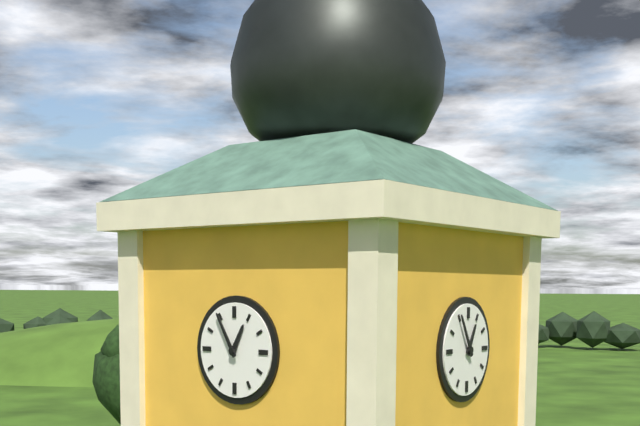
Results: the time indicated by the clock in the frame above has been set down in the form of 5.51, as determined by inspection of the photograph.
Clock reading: 12.55
